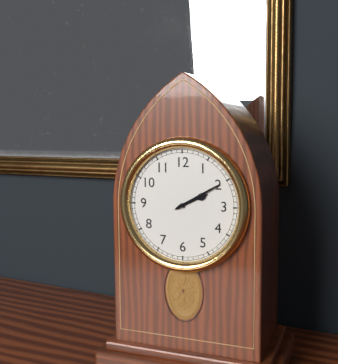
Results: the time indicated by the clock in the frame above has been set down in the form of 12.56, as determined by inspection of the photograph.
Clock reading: 2.10
